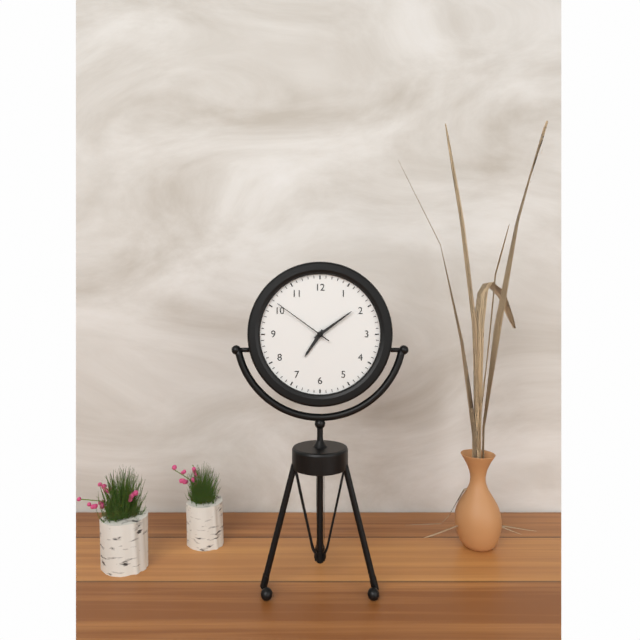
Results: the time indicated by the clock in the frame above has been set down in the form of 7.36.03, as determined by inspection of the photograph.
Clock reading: 7.09.51
